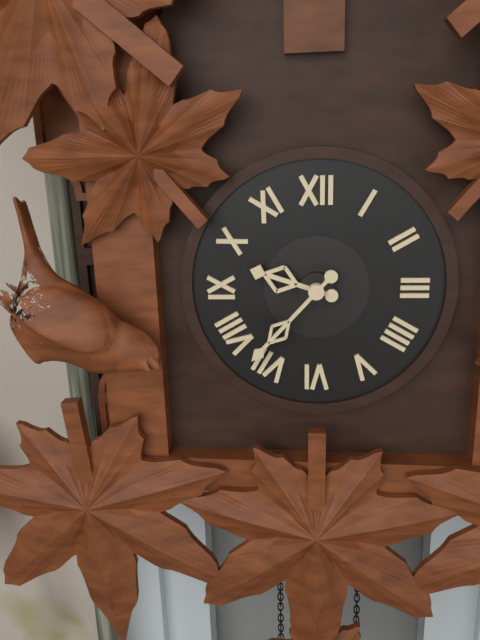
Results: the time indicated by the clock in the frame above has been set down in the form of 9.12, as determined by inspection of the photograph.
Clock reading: 9.37
